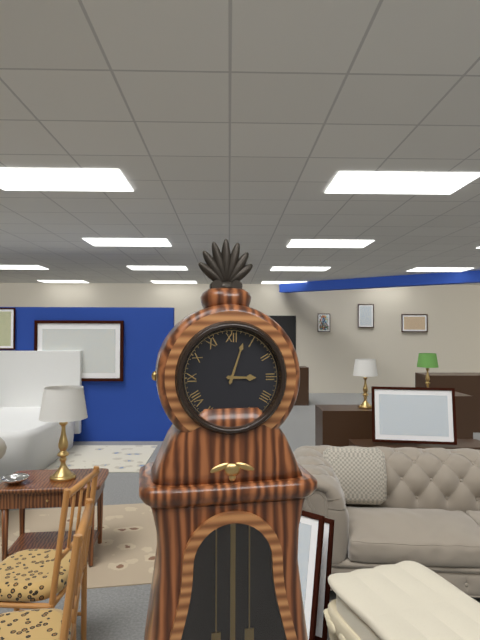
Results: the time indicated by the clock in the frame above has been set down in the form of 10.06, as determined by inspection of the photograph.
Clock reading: 3.03
